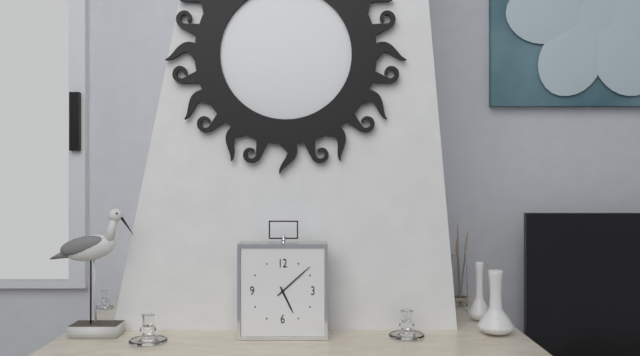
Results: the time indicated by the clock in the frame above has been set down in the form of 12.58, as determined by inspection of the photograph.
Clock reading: 5.08
